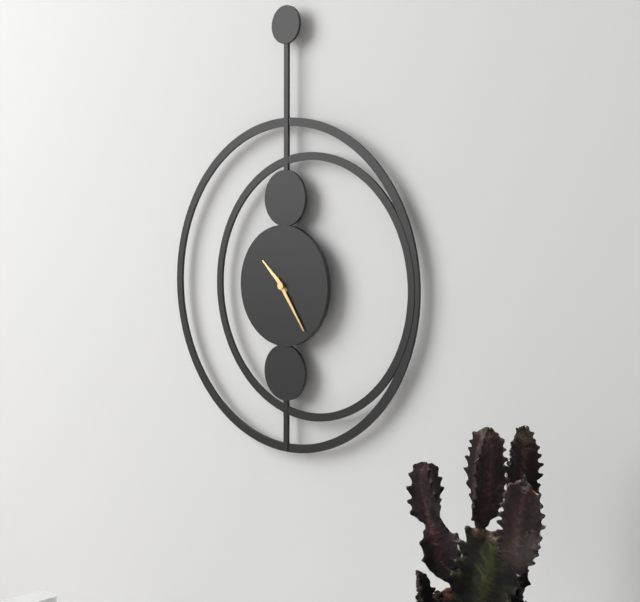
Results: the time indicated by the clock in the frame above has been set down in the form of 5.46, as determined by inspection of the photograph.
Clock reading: 10.24
